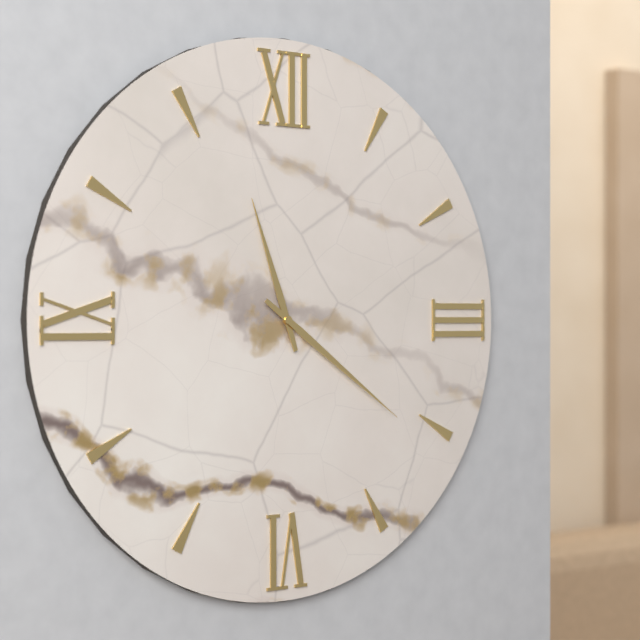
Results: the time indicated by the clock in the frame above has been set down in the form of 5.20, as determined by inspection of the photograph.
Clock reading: 11.21
